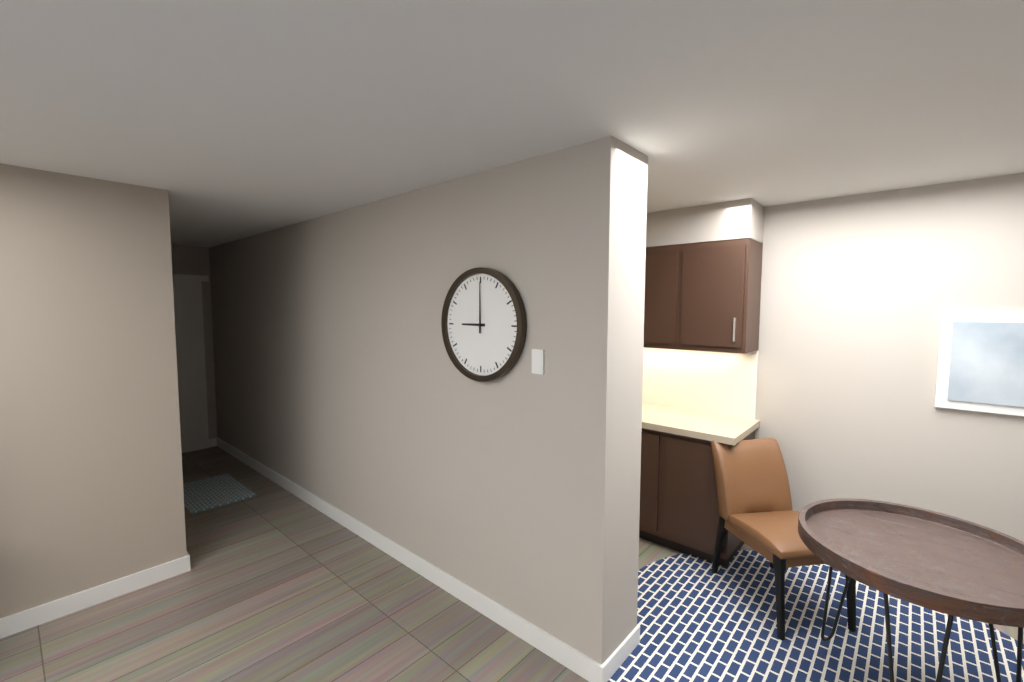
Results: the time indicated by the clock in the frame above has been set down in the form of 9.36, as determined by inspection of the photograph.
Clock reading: 9.00
